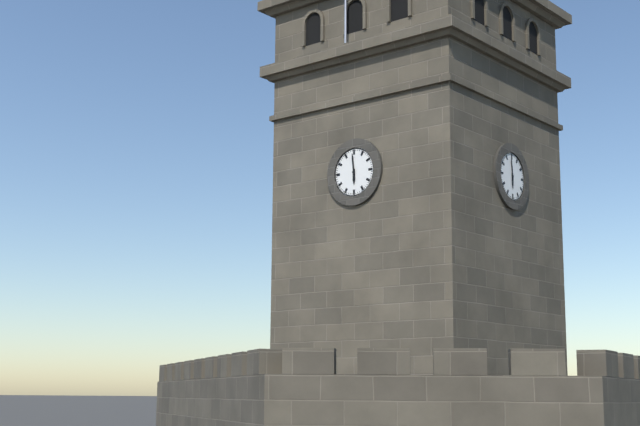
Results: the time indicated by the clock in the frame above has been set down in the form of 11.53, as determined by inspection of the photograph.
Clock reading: 5.59
